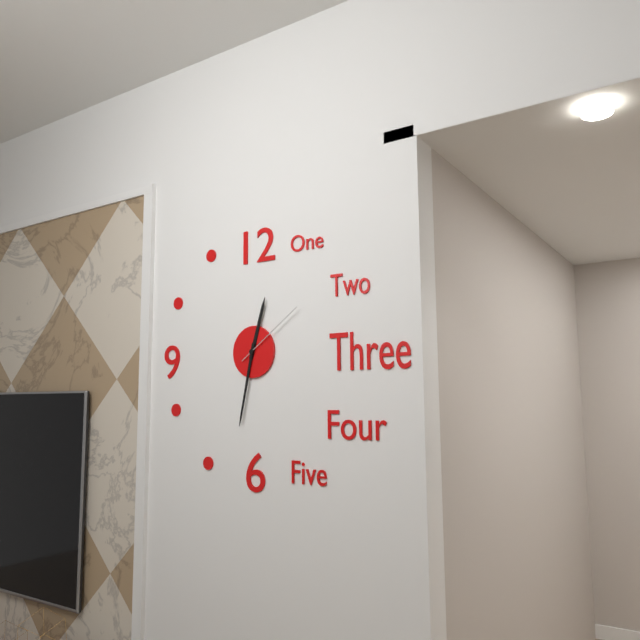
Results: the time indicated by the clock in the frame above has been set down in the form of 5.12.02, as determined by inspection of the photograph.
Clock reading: 12.32.09
